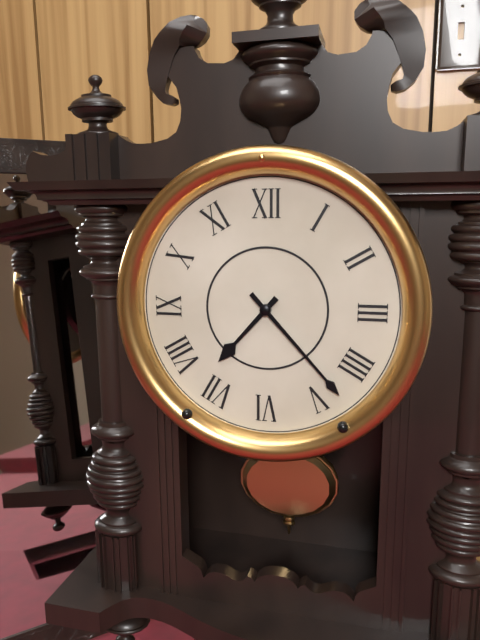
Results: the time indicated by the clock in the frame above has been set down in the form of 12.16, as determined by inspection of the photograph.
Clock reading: 7.23
